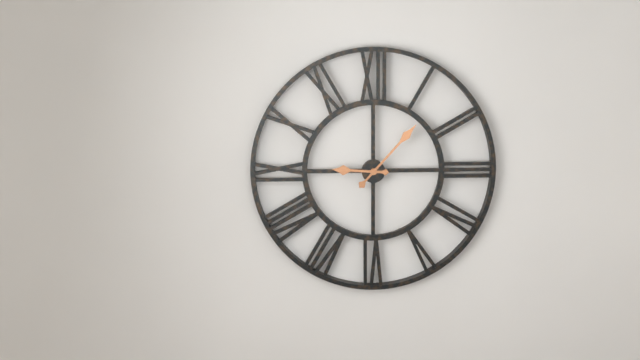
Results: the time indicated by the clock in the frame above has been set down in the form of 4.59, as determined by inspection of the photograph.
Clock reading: 9.07
